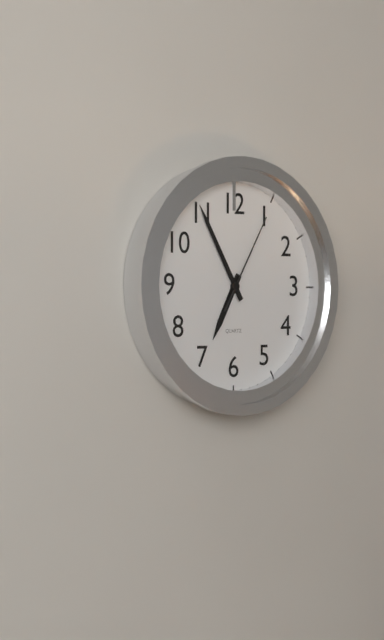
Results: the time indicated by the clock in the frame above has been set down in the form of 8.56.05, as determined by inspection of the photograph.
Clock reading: 6.55.05
